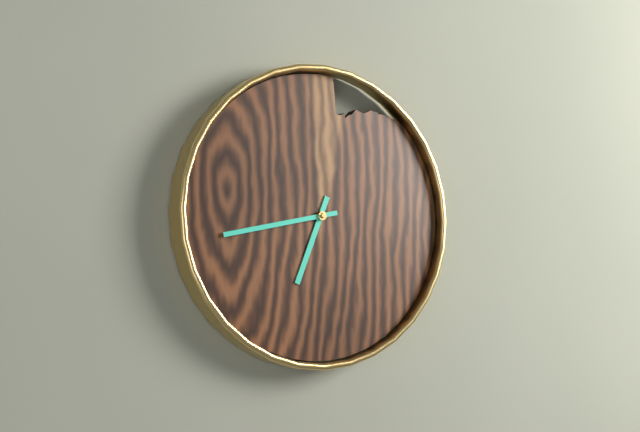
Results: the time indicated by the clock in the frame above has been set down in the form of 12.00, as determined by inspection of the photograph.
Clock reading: 6.43
